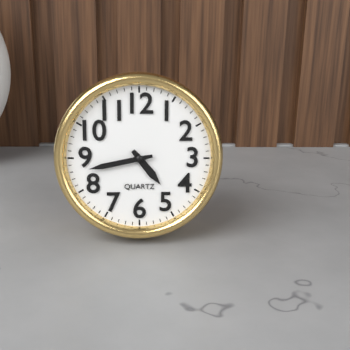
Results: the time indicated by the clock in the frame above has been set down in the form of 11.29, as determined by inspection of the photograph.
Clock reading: 4.43
